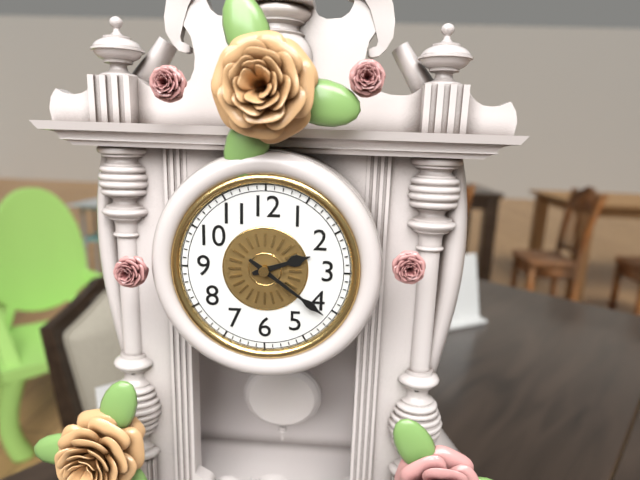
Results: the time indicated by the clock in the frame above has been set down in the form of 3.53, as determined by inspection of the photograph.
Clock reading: 2.21
